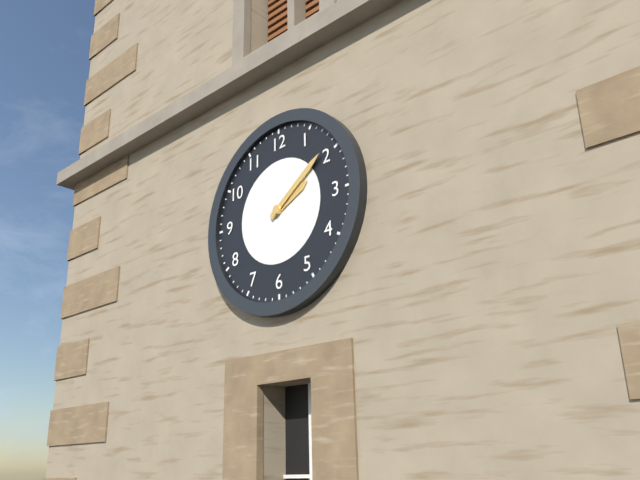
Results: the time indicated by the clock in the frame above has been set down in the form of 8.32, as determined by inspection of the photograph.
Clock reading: 2.09
